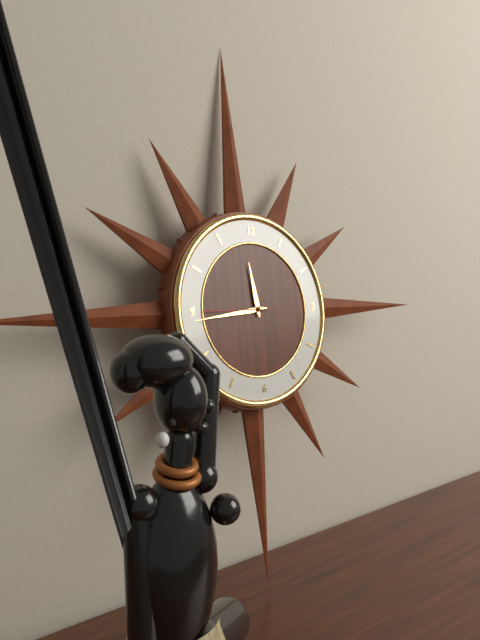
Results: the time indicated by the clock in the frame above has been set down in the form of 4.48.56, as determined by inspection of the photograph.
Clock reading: 11.44.45
